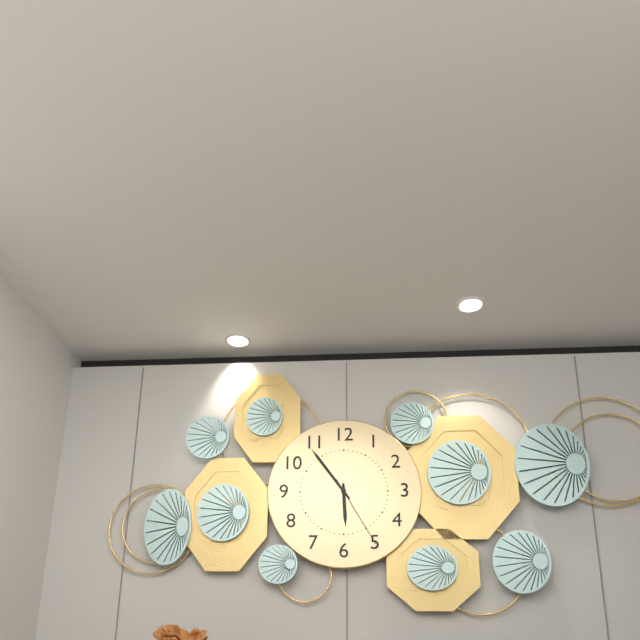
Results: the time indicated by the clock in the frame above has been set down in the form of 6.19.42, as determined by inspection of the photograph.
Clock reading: 5.54.25
